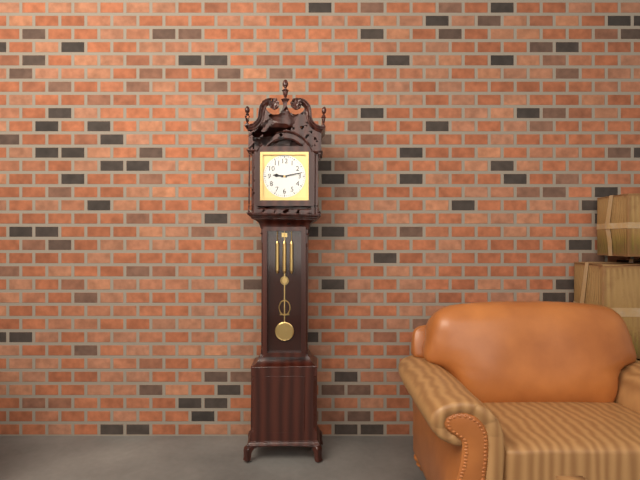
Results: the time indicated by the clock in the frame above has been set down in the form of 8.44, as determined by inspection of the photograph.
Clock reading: 9.13
